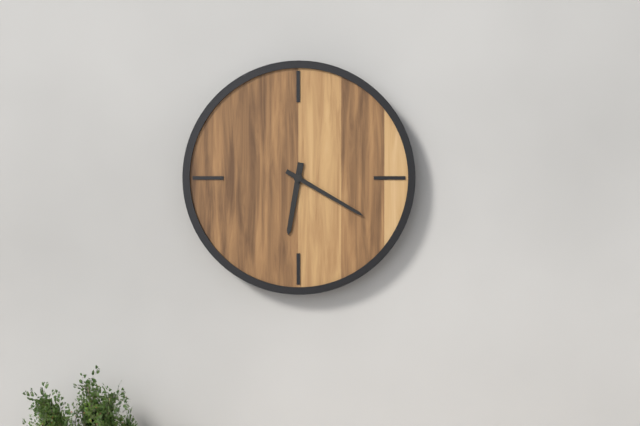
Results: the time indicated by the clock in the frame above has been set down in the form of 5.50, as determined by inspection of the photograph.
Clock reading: 6.20
